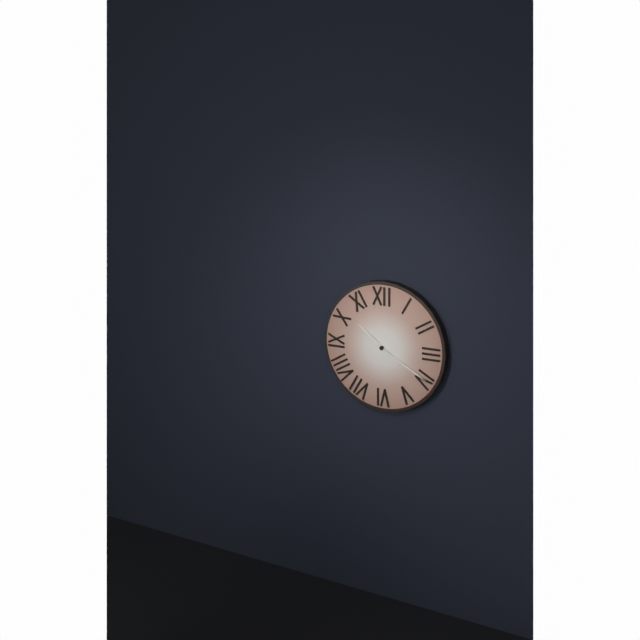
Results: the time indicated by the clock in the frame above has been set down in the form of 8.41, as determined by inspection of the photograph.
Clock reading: 10.20
